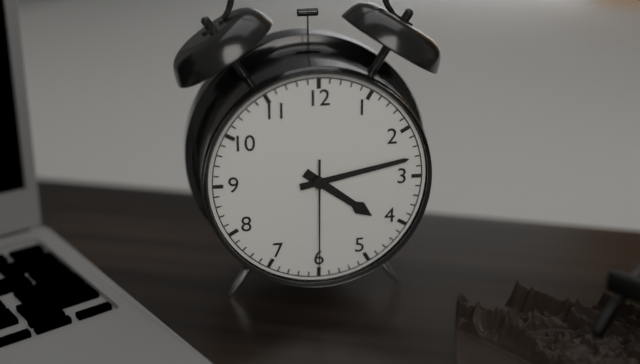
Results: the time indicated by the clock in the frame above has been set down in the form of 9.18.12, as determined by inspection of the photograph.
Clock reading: 4.13.30
